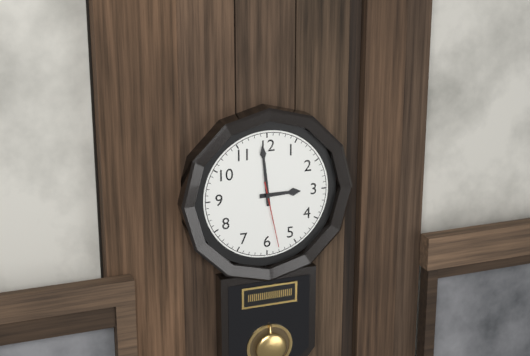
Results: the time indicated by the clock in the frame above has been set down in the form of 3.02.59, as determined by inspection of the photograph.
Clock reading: 2.59.28
